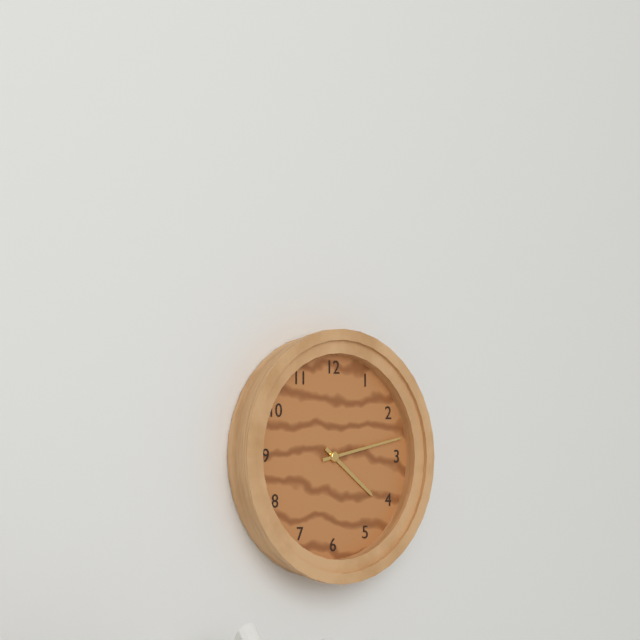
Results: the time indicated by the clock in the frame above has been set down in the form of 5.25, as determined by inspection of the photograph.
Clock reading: 4.13
